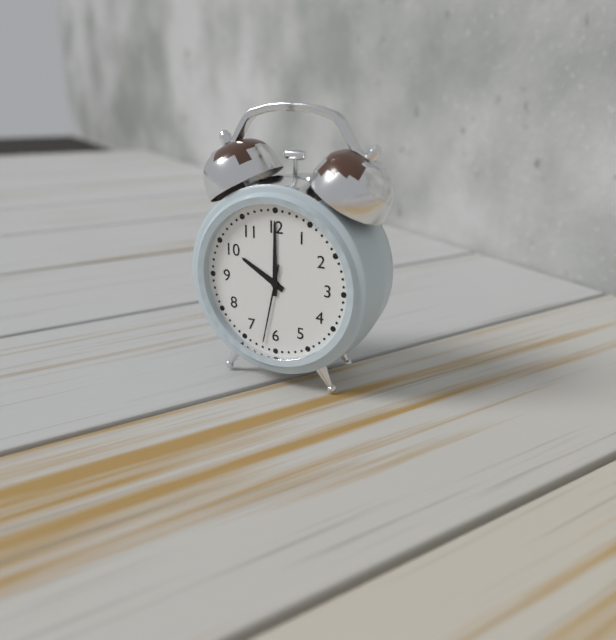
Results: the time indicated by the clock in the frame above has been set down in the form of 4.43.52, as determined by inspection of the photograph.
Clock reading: 10.00.32
